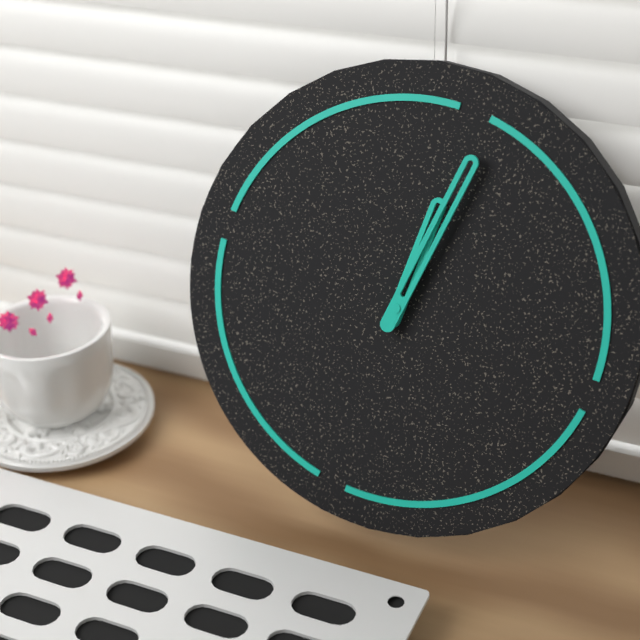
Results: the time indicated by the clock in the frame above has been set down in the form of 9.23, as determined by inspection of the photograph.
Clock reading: 12.01
